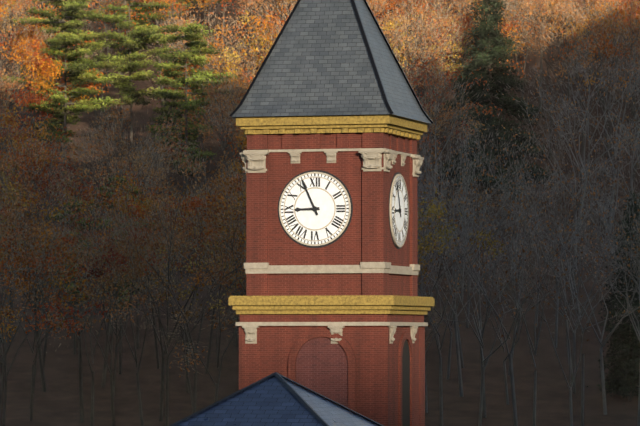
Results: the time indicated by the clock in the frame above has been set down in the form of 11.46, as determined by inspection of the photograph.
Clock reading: 8.56
